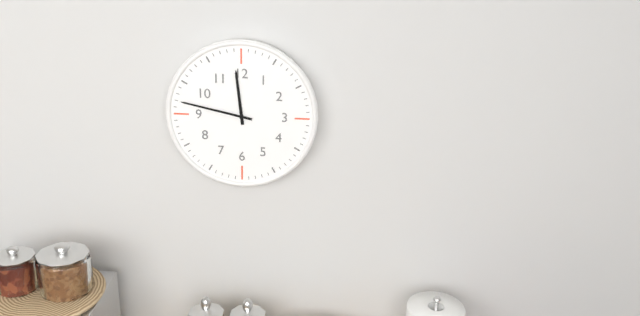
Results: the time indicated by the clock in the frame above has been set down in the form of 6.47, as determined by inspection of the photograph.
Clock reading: 11.47
